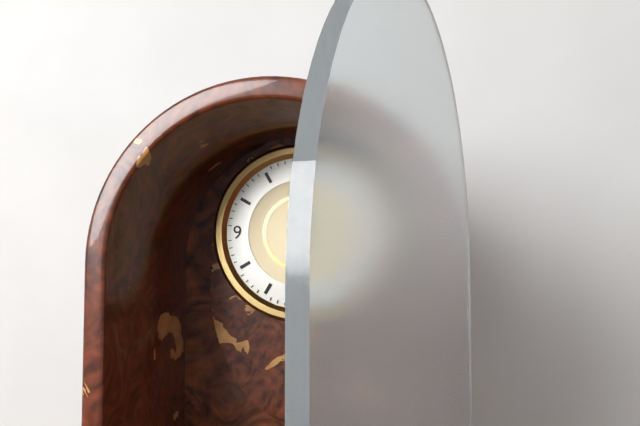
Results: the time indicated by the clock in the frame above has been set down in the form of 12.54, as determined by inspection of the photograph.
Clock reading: 11.32
